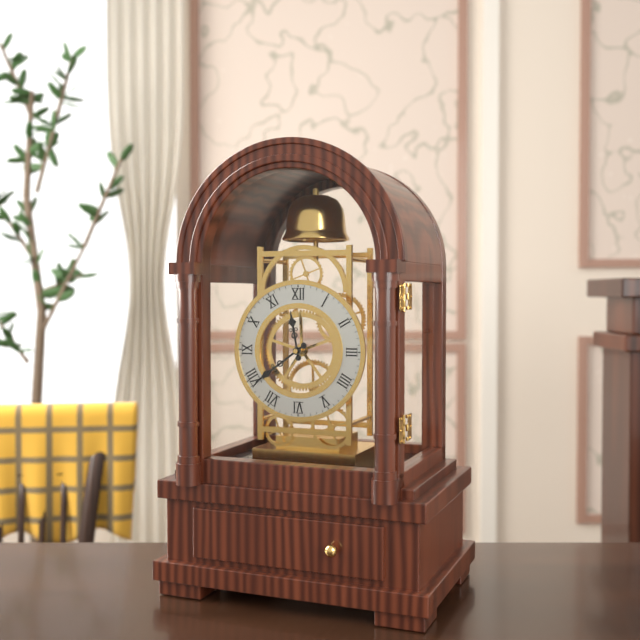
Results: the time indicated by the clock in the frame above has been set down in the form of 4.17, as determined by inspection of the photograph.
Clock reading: 11.39
